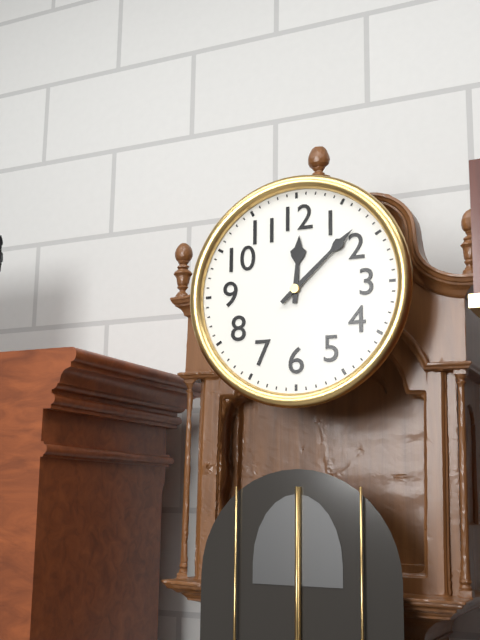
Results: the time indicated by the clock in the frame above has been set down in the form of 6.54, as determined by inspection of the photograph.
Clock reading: 12.08
